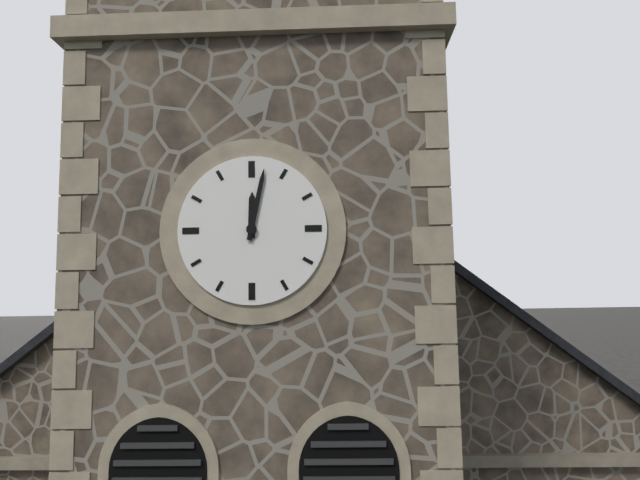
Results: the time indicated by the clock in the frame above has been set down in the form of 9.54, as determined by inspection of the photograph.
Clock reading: 12.02
